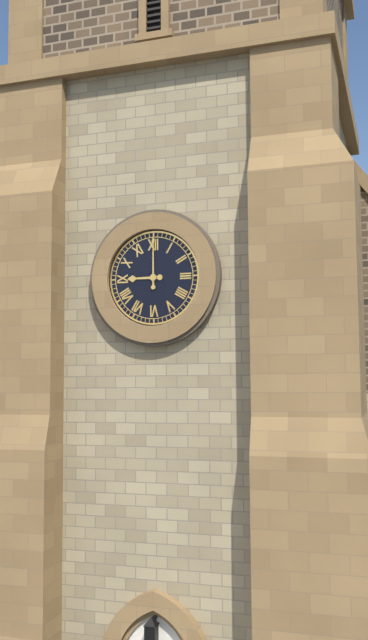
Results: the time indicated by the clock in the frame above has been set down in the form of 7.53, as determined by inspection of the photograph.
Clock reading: 9.00
